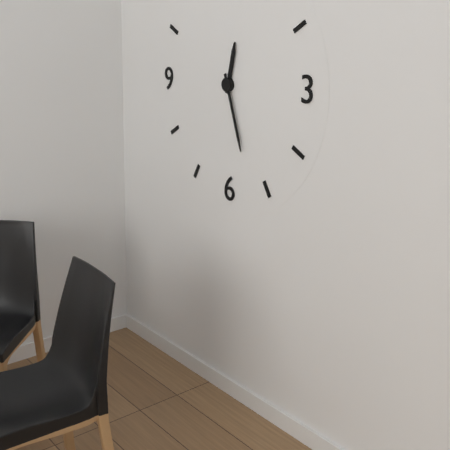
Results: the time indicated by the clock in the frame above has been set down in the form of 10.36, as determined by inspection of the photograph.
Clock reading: 12.27
